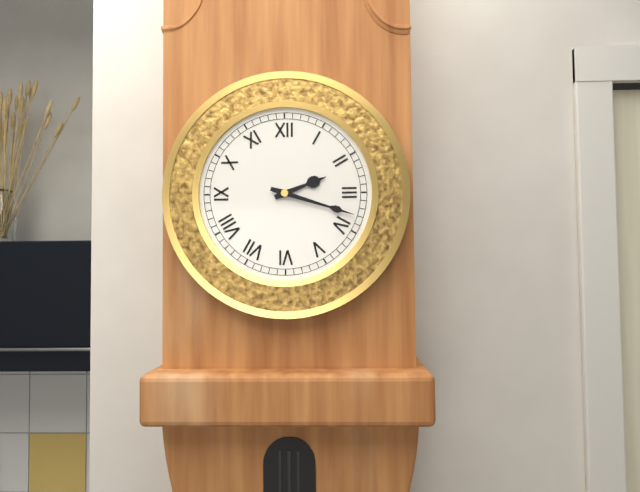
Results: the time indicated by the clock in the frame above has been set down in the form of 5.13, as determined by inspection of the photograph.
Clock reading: 2.18
